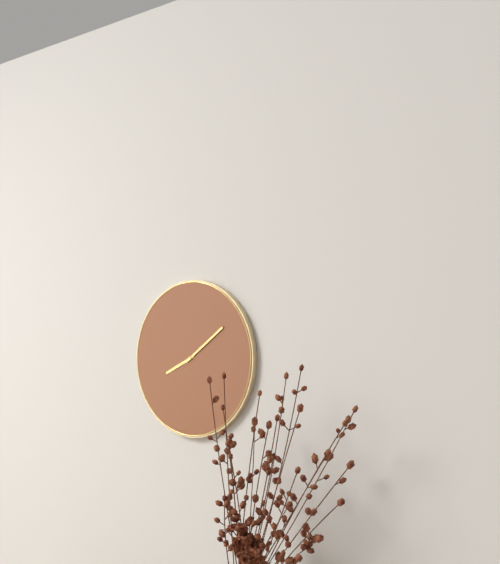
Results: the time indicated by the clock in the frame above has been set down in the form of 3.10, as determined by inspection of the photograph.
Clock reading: 8.09
